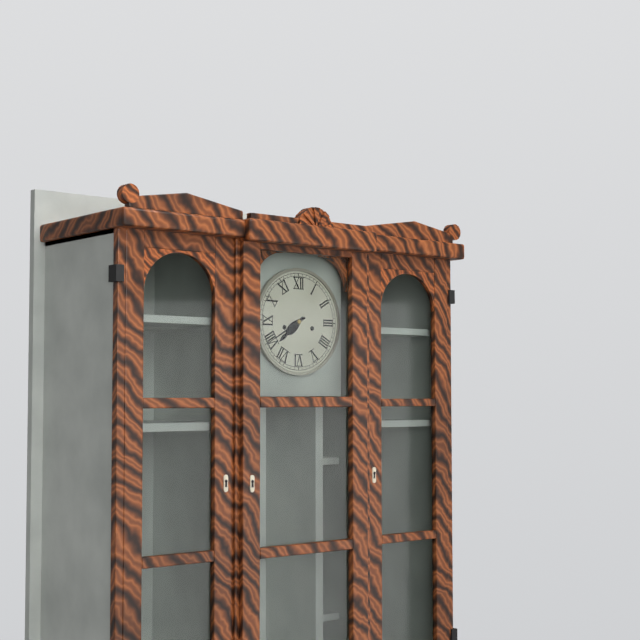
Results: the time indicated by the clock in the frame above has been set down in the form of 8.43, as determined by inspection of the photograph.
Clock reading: 7.40
